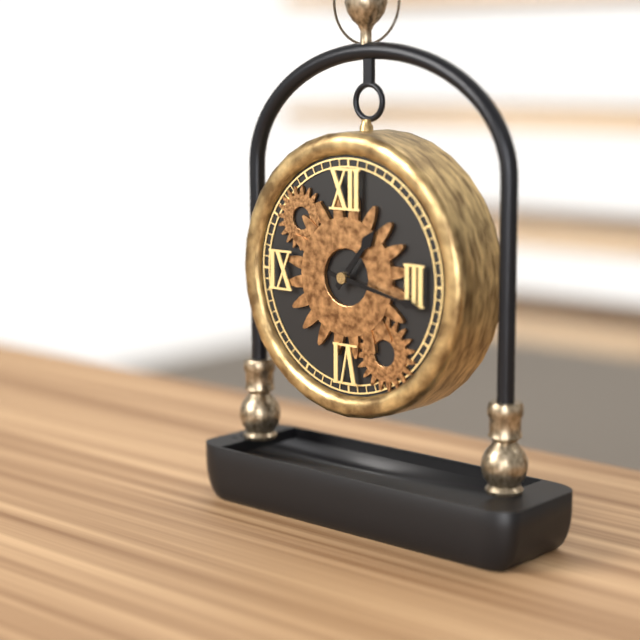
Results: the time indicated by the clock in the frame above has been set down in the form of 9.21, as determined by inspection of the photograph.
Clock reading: 1.17
